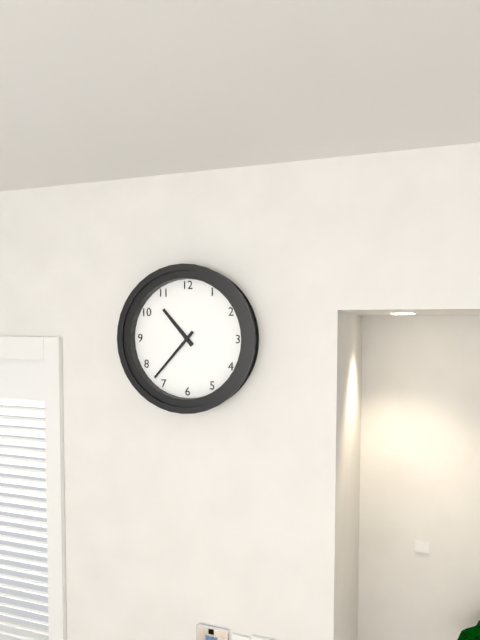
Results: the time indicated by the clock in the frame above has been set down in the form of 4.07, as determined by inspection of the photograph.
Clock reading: 10.37
